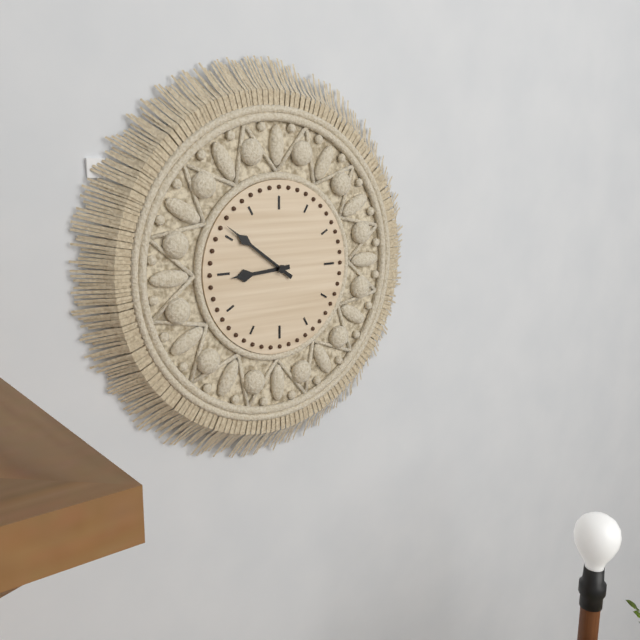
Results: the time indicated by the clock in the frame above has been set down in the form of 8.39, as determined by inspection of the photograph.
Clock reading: 8.51
